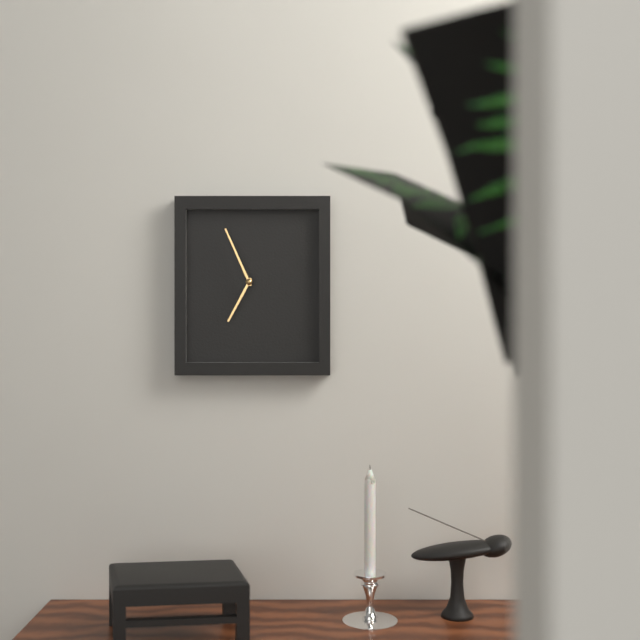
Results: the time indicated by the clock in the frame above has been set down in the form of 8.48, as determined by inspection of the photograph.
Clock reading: 6.56
